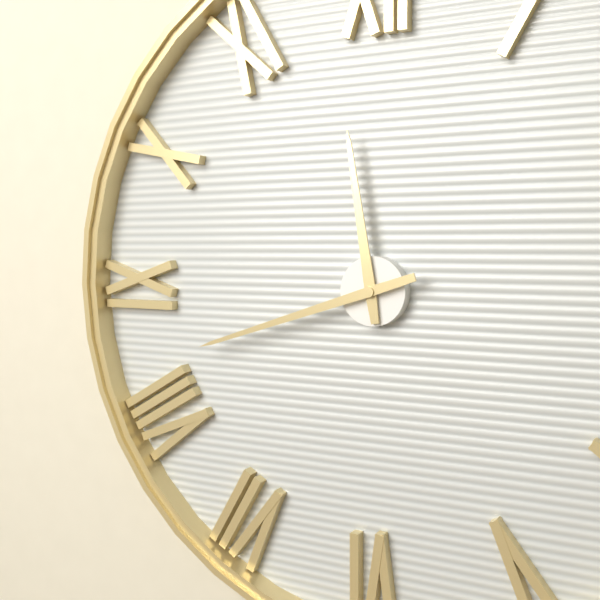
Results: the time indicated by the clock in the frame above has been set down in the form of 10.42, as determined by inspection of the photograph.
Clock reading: 11.42
